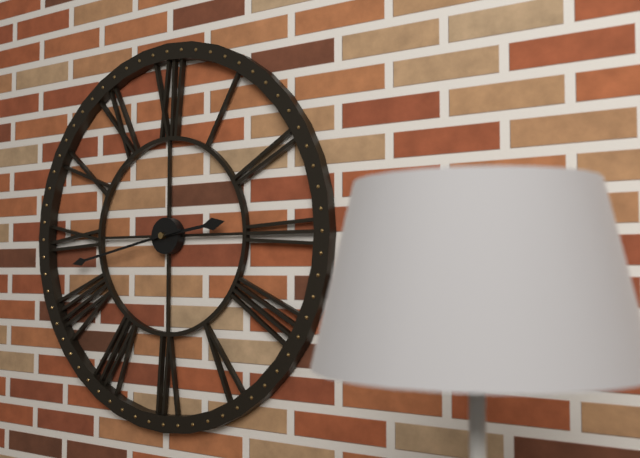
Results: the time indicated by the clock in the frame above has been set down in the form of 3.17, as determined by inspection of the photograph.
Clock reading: 2.43
